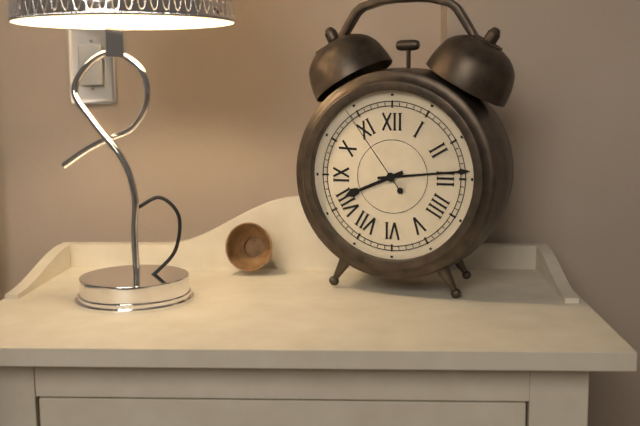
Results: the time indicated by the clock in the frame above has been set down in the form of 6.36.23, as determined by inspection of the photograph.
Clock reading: 8.14.54
